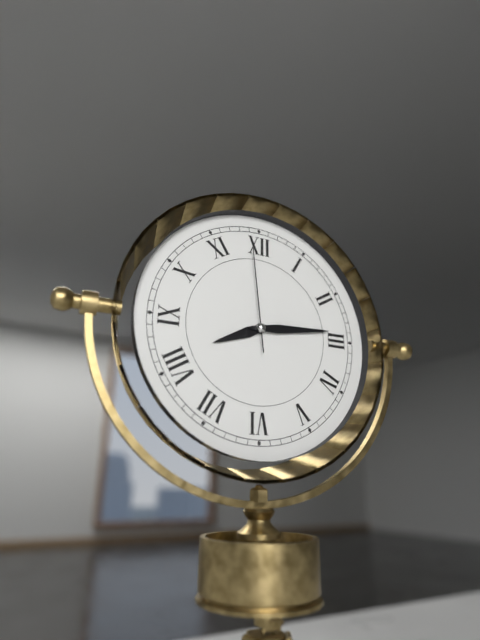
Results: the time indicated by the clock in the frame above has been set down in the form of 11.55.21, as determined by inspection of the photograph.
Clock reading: 8.14.59
